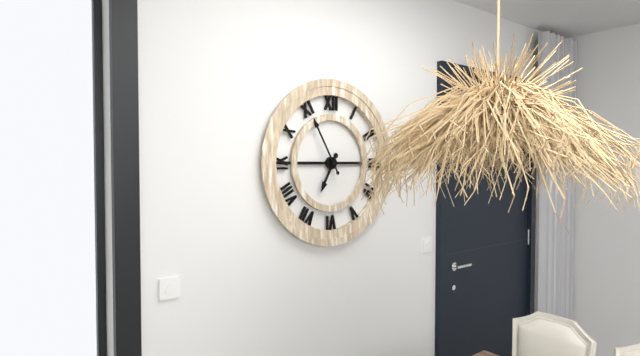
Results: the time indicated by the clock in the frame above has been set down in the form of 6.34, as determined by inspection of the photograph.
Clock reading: 6.55
